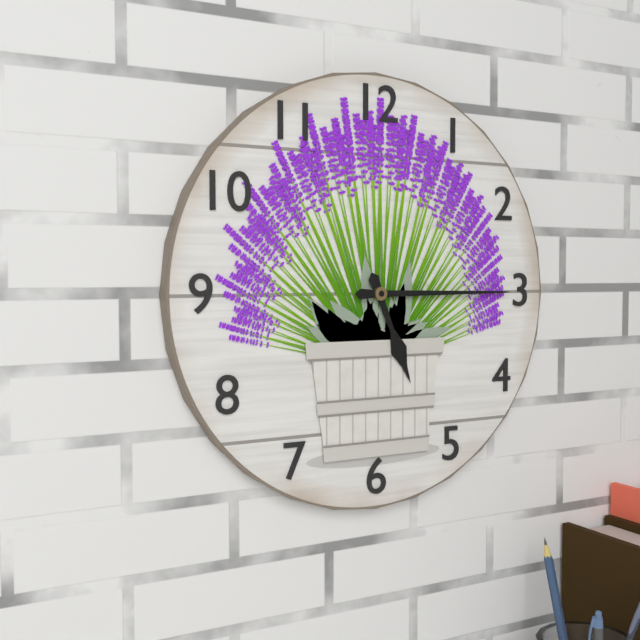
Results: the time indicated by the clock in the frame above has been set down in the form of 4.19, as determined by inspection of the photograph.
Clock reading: 5.15
